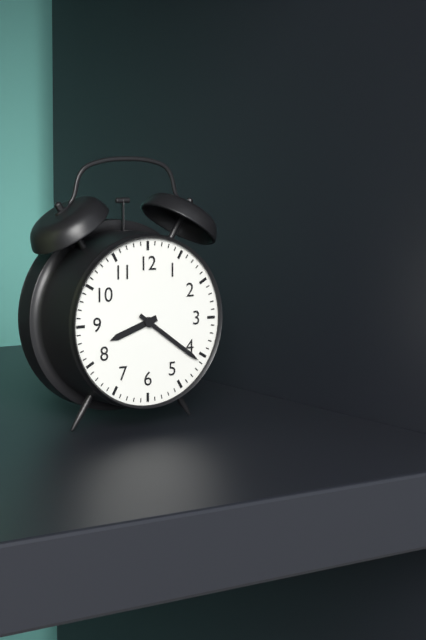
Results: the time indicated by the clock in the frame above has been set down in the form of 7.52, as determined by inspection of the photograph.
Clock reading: 8.21
